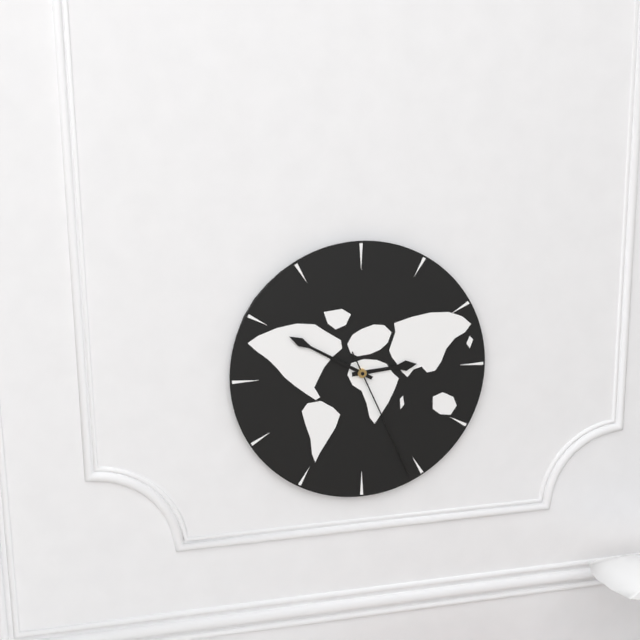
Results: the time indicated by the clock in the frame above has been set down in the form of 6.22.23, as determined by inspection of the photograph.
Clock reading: 2.50.26
